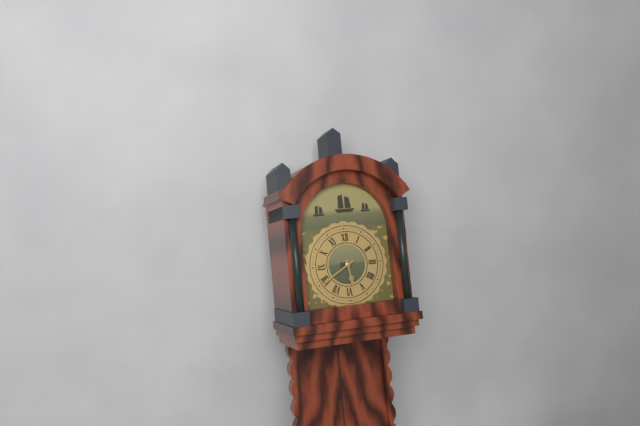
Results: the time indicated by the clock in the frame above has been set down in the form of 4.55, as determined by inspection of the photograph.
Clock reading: 5.40
